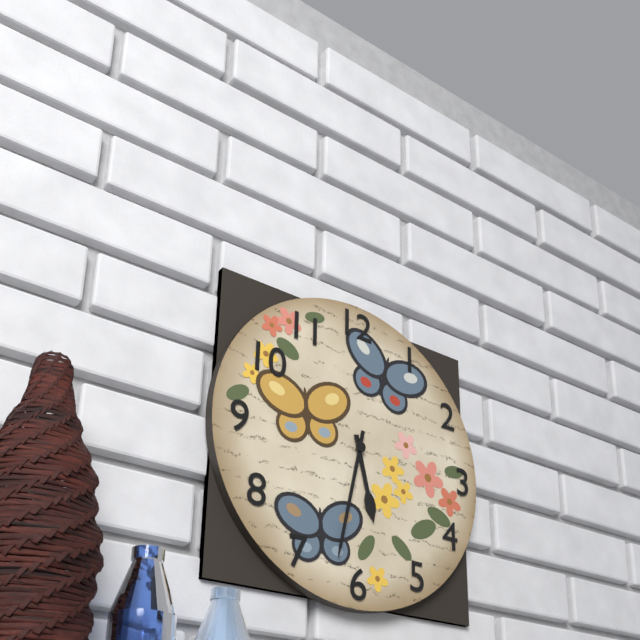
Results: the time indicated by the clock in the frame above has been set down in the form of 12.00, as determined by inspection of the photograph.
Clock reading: 5.32
